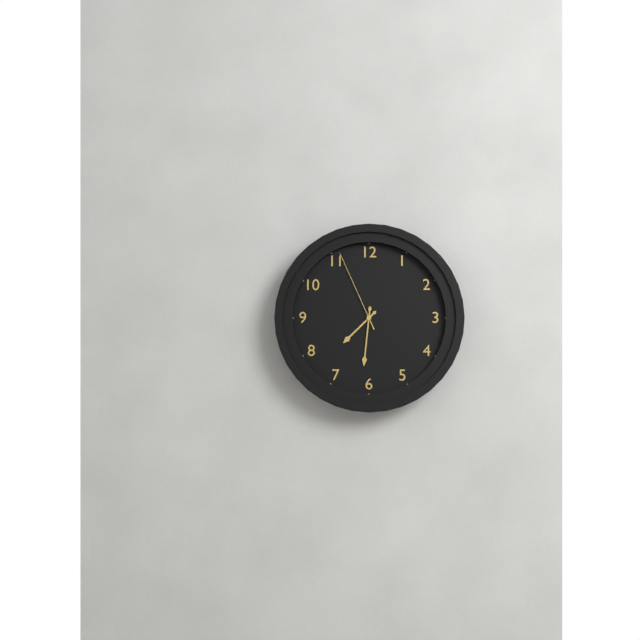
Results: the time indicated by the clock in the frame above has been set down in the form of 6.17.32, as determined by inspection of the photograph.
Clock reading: 7.31.56
